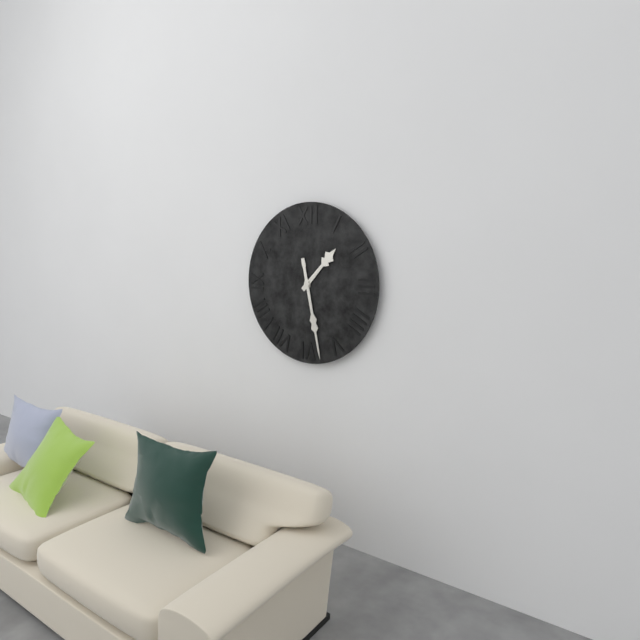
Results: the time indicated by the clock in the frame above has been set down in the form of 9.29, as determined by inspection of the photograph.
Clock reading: 1.28
